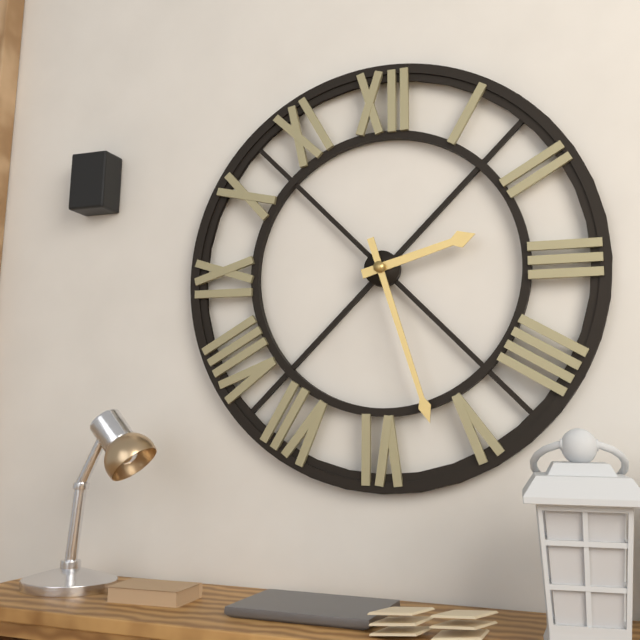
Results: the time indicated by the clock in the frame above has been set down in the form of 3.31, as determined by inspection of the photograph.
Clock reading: 2.27
